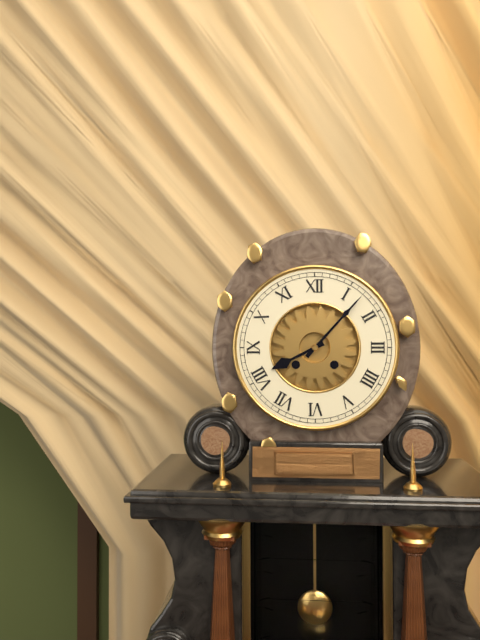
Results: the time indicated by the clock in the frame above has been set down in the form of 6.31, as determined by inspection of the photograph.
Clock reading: 8.07
